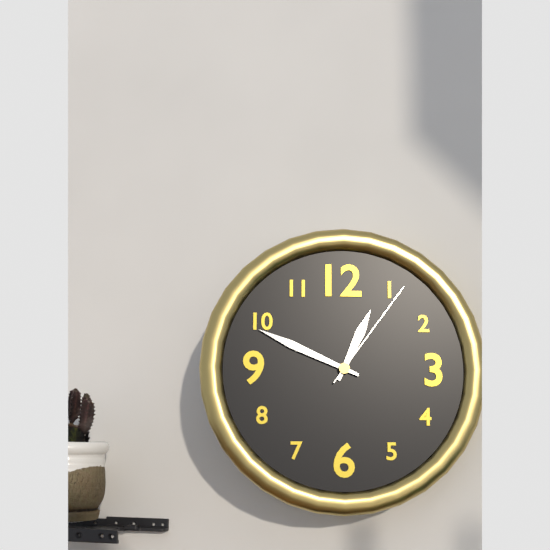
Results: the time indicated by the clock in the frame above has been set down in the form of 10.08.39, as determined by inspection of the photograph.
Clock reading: 12.49.06
